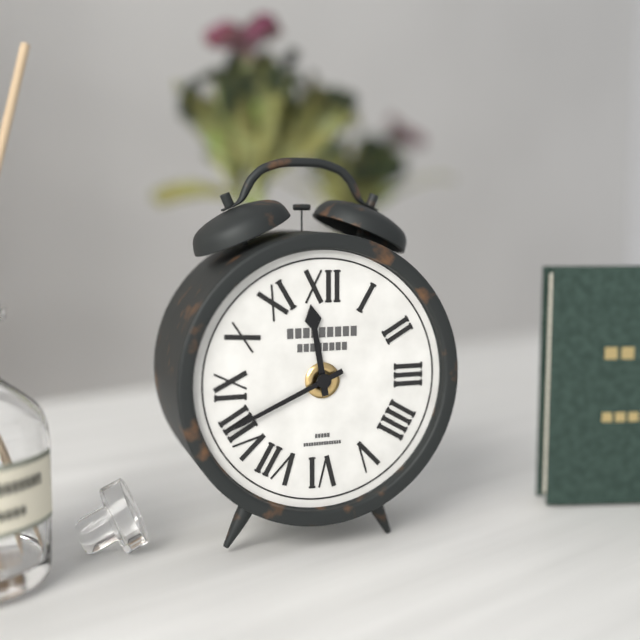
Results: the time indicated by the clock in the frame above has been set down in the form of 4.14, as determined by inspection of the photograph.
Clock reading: 11.41
